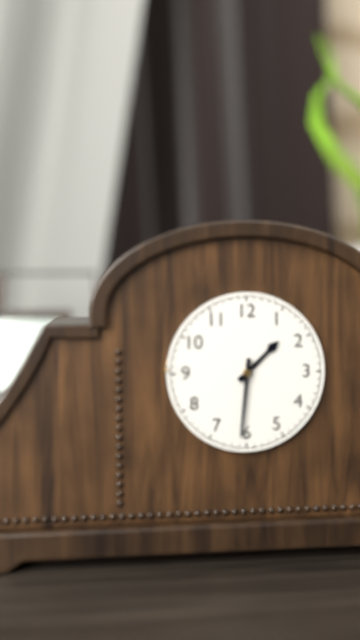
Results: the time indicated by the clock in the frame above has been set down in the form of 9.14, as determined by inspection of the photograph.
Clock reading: 1.31
